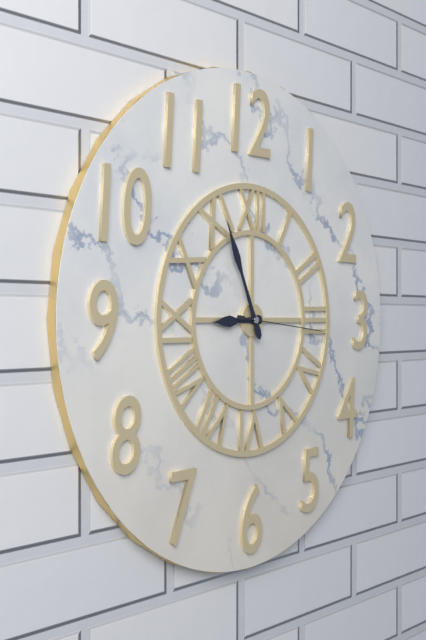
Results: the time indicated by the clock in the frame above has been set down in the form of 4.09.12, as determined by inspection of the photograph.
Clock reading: 8.56.16
